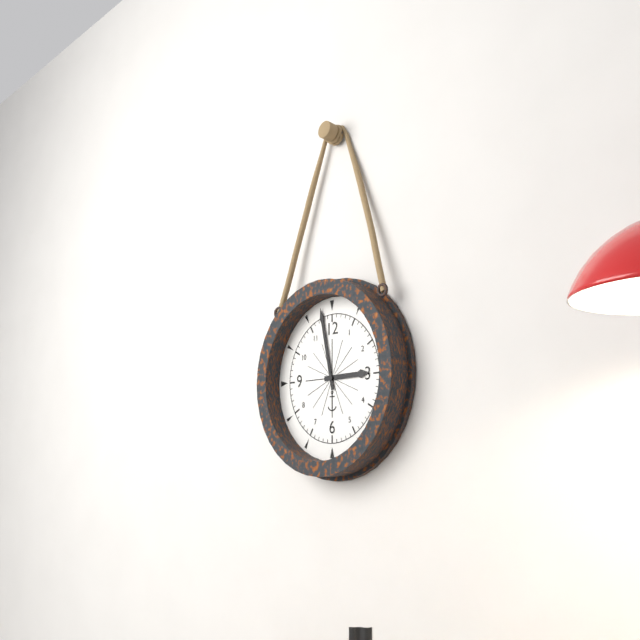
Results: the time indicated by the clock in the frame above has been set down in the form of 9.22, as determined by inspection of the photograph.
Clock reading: 2.58
